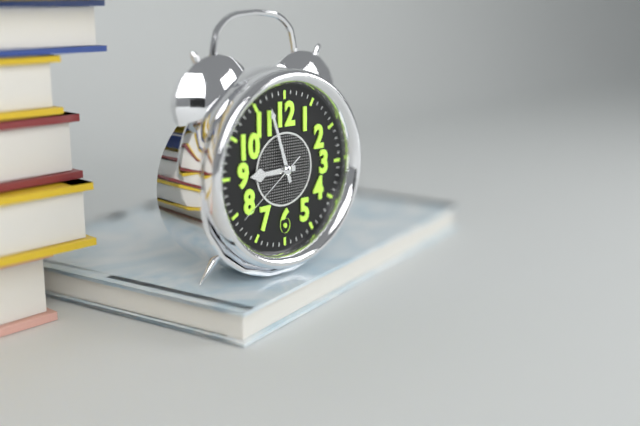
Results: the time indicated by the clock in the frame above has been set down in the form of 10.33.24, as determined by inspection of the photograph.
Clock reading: 8.57.39
